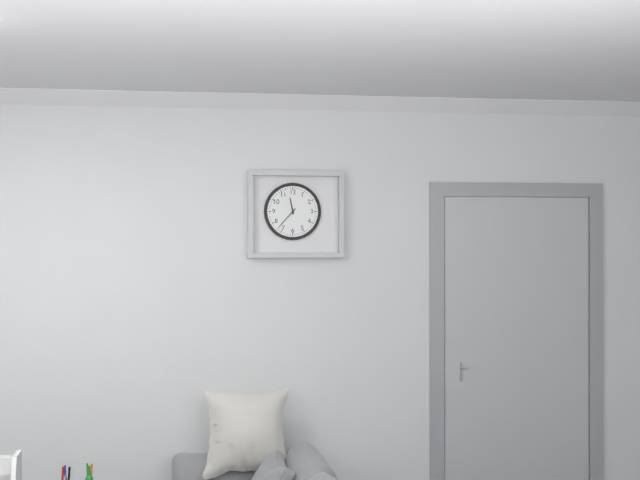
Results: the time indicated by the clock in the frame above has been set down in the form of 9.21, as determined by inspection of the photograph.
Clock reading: 11.37
